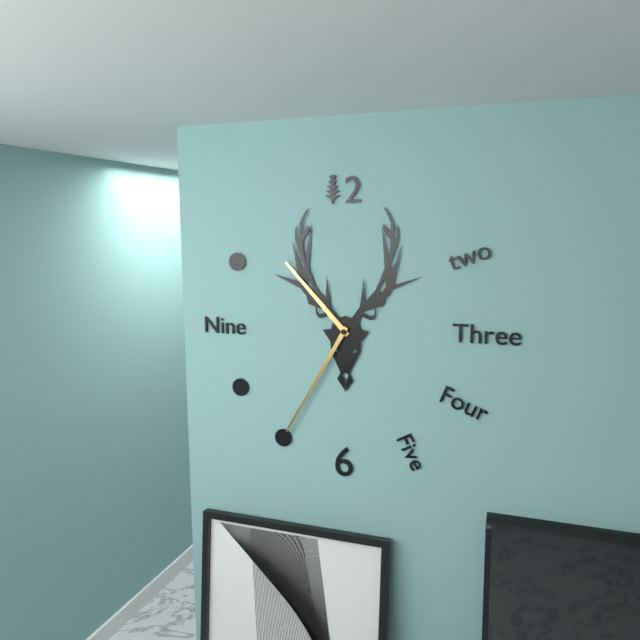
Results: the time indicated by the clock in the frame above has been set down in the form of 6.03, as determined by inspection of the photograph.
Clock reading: 10.35
